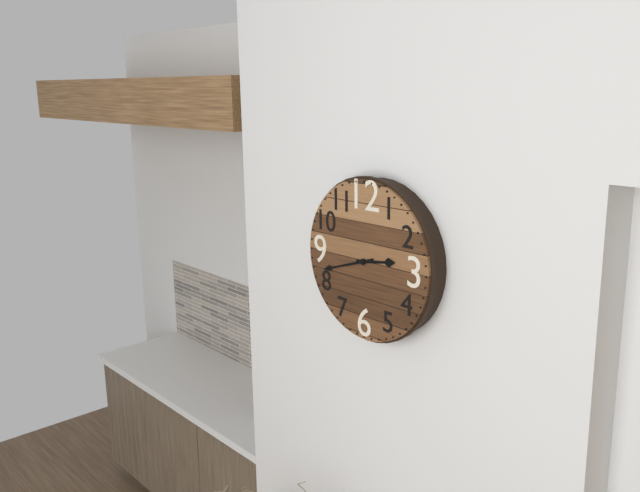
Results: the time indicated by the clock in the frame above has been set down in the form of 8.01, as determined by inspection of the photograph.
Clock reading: 2.42
